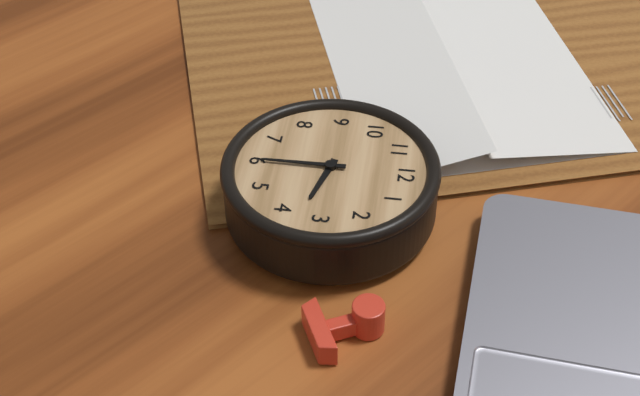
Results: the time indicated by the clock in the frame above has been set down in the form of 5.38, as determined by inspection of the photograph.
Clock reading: 3.30
